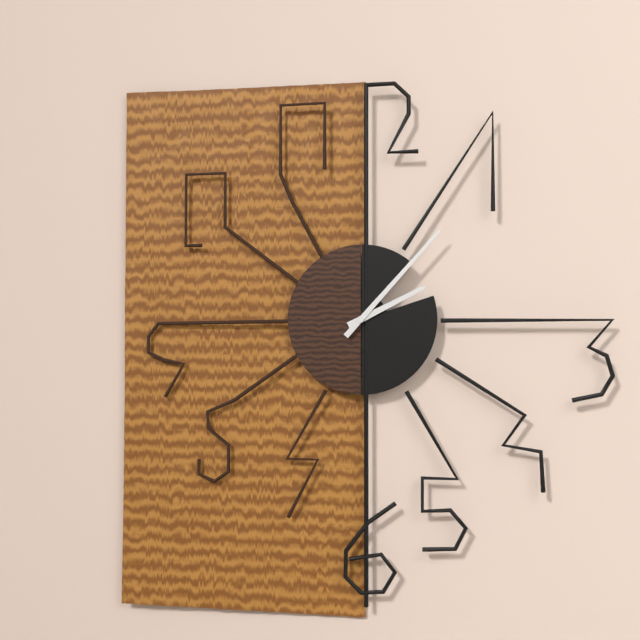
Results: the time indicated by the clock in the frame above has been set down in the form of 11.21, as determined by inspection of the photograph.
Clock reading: 2.07
